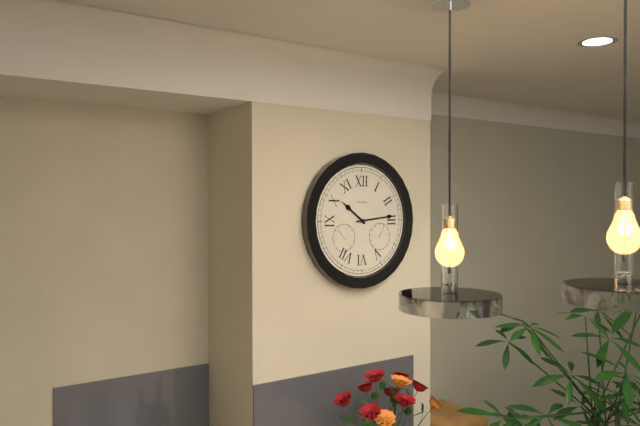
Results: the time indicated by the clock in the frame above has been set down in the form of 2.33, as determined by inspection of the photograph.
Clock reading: 10.14
